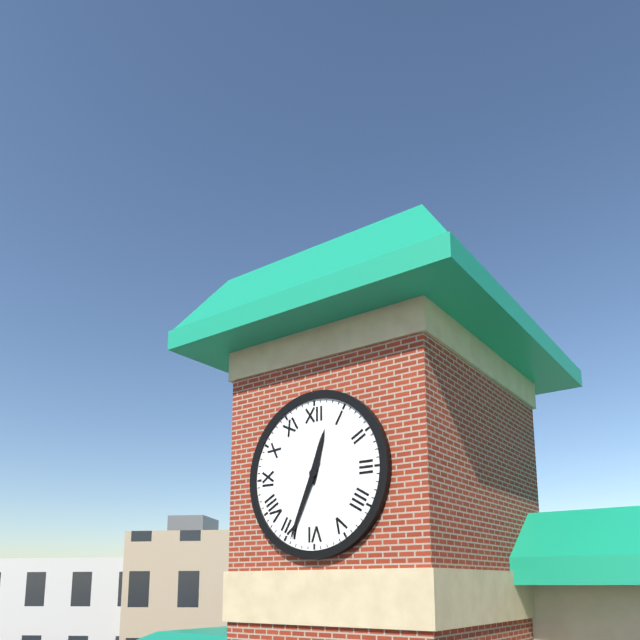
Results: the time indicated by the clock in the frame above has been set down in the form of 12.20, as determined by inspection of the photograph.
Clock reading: 12.34
